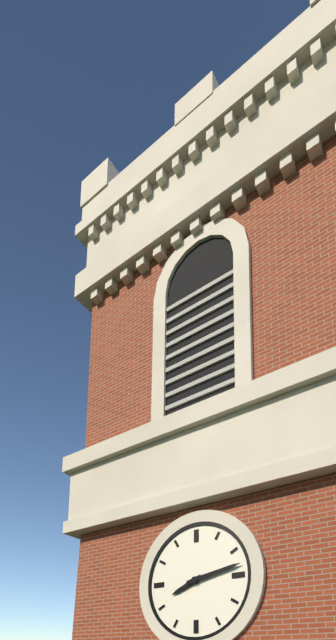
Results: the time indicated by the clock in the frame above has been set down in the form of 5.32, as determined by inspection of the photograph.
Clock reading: 8.13
